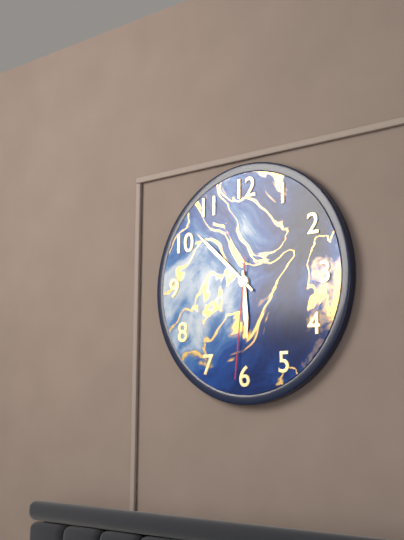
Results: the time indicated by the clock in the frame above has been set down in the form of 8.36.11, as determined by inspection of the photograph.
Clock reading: 5.52.31
